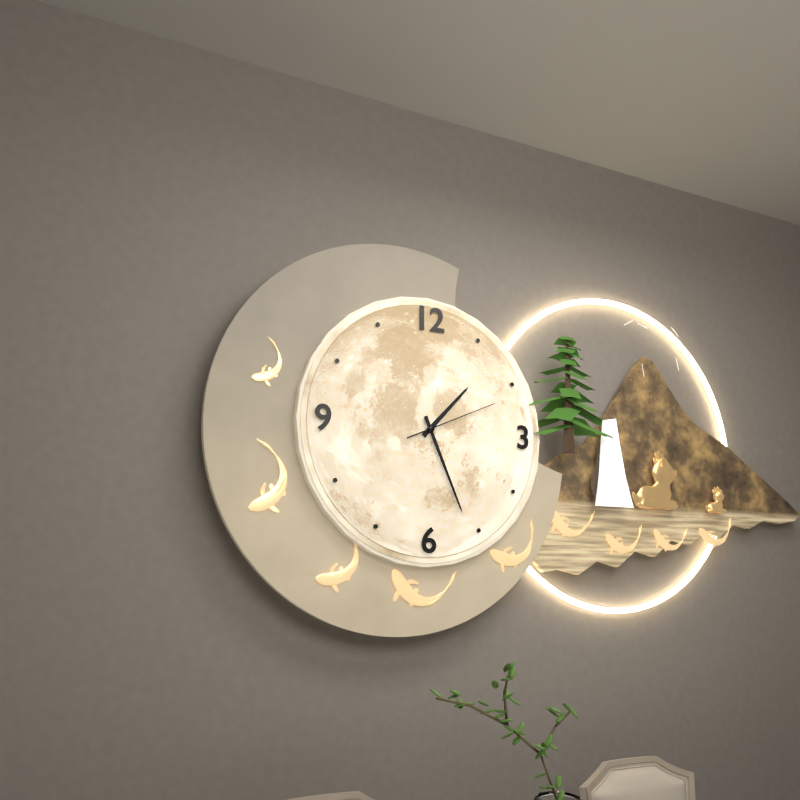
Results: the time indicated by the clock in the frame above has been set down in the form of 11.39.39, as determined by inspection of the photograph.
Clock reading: 1.26.11
